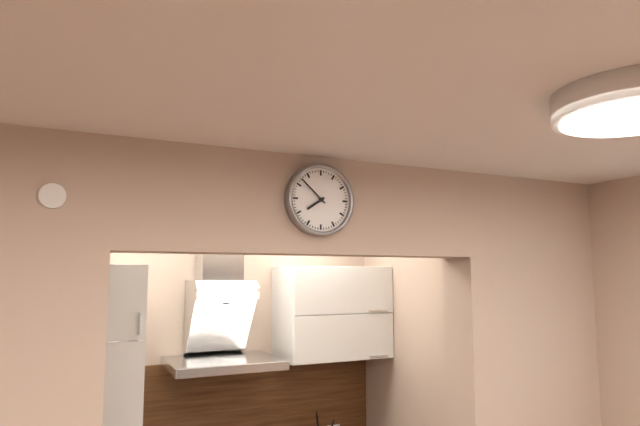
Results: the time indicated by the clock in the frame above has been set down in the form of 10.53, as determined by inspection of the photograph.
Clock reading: 7.52
